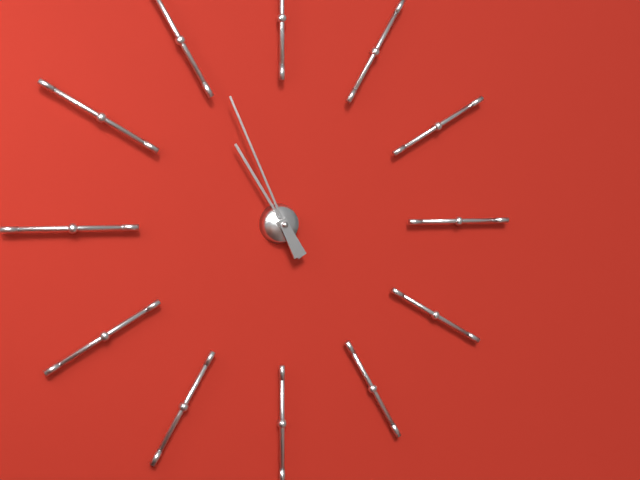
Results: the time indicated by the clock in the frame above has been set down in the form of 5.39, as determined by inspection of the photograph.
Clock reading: 10.56
